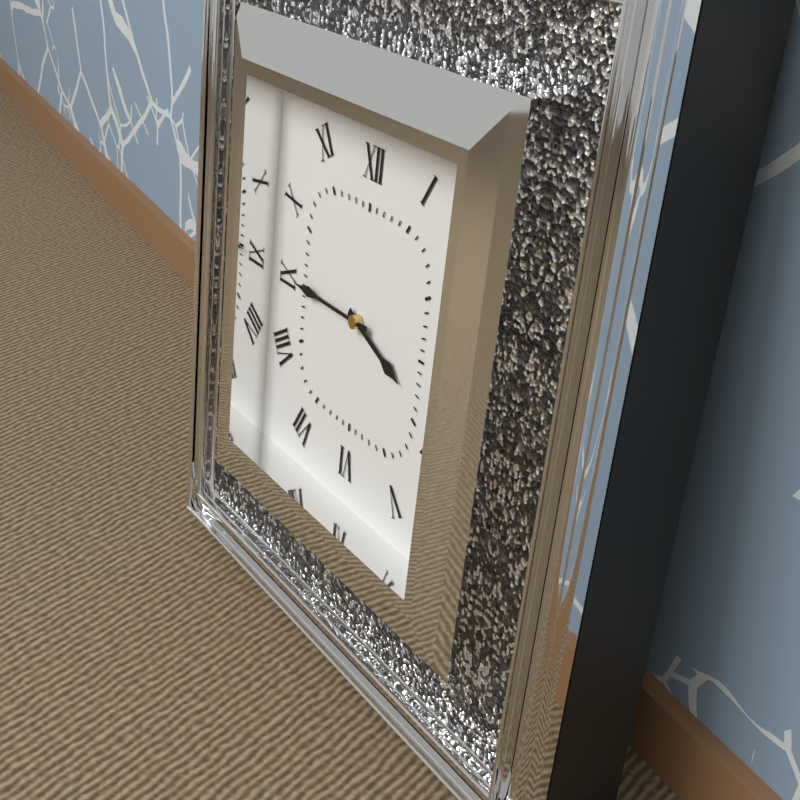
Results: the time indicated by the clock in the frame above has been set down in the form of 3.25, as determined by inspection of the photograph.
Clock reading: 3.45
